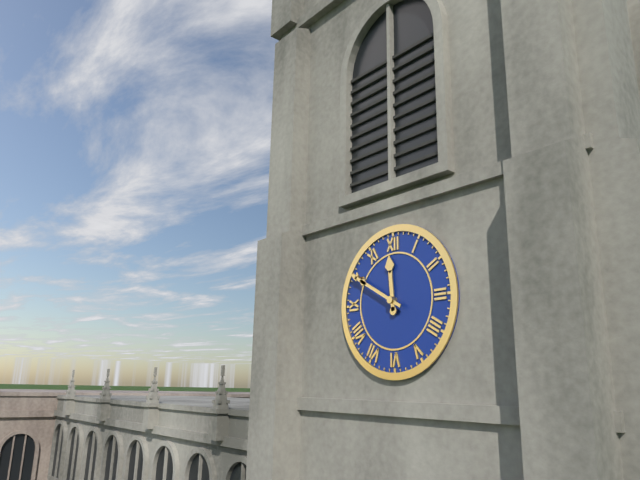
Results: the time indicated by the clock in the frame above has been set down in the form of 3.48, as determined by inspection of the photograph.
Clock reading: 11.50
